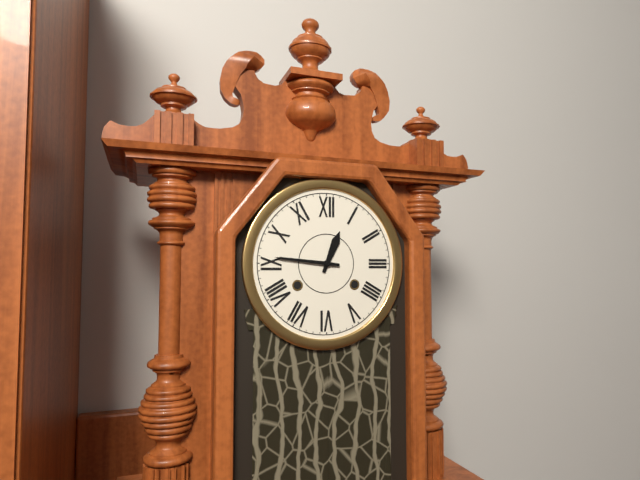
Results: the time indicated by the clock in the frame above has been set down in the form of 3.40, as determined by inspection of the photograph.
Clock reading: 12.46
